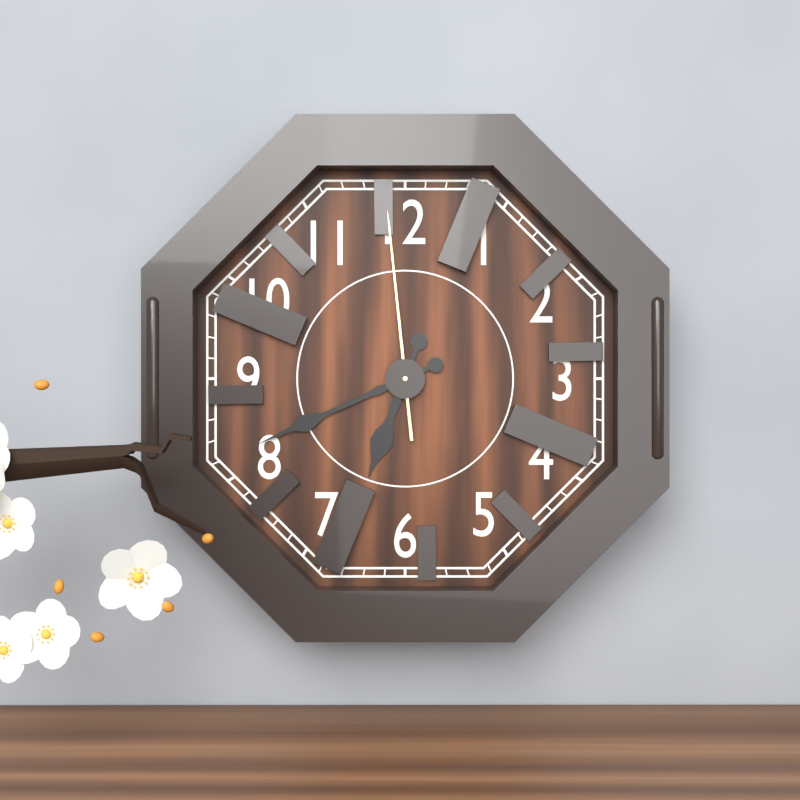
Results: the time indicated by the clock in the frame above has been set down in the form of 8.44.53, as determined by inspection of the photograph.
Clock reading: 6.41.59
